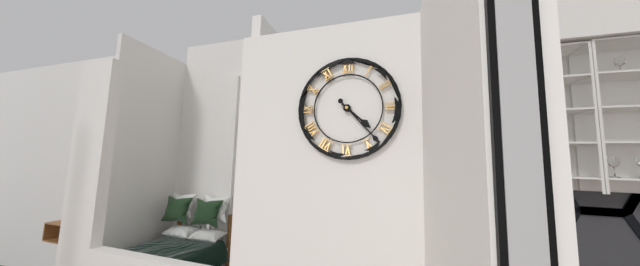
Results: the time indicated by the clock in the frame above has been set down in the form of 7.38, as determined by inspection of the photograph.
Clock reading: 4.23
